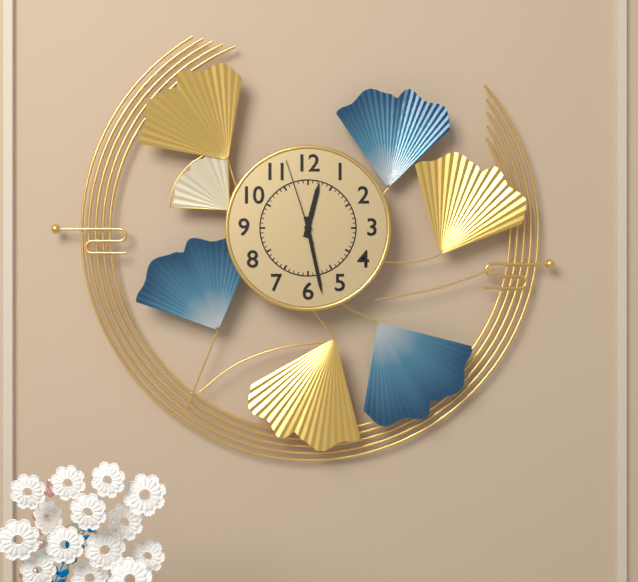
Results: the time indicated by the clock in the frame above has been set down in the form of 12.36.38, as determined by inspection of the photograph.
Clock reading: 12.28.57
